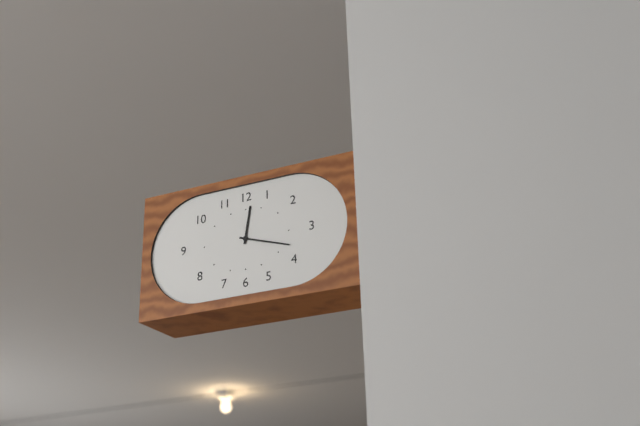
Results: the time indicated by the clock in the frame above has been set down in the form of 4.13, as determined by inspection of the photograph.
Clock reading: 12.18
